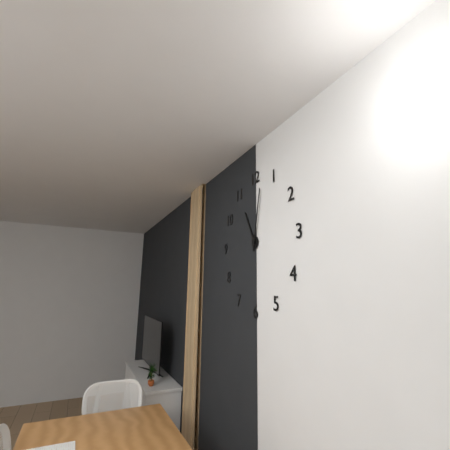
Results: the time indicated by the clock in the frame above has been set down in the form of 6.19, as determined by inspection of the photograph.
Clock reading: 11.02
